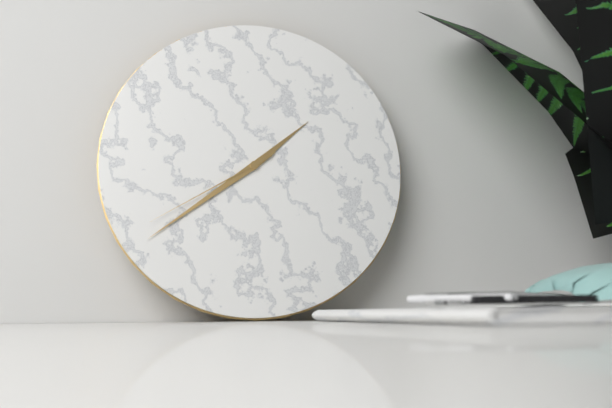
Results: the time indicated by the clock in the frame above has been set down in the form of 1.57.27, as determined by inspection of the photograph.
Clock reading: 1.39.40
